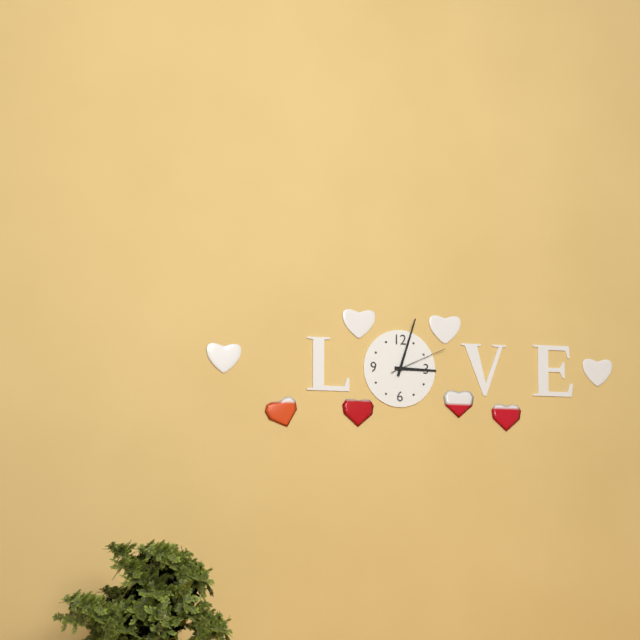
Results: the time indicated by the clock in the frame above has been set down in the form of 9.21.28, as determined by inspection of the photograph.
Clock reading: 3.03.11
